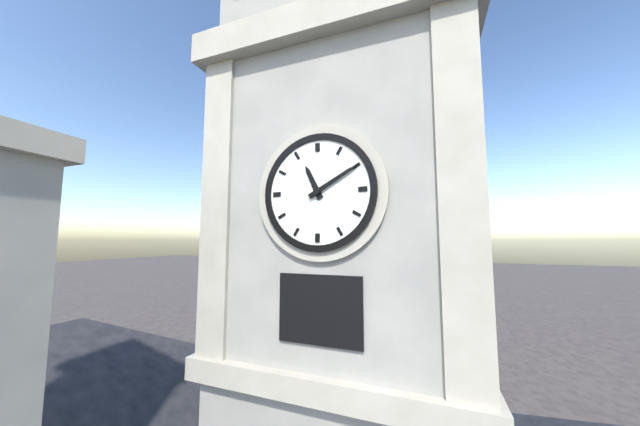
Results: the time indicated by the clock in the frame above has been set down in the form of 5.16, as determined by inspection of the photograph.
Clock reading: 11.10
